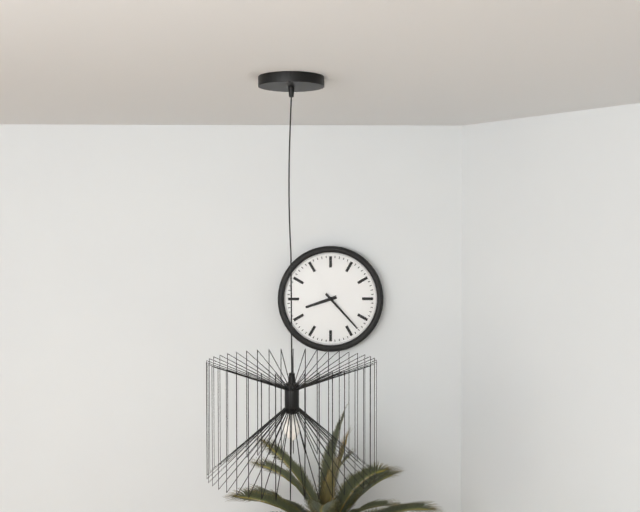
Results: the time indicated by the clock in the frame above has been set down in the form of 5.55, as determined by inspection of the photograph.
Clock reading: 8.23
